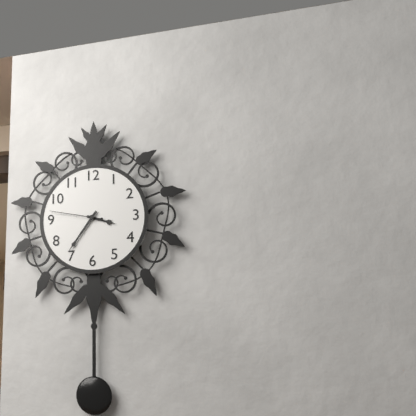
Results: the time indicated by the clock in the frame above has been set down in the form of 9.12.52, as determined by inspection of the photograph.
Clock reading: 3.36.47
